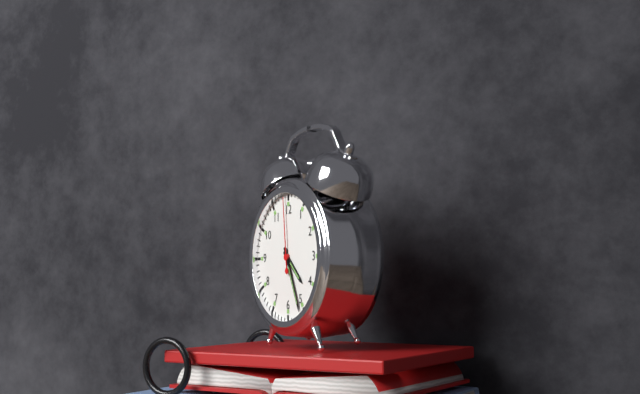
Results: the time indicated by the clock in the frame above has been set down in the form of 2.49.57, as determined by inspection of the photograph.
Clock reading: 4.26.59
